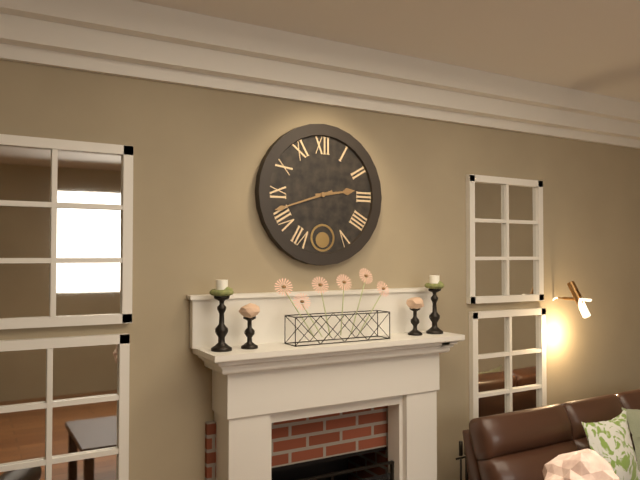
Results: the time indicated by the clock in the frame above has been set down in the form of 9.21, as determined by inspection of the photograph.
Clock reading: 2.42
